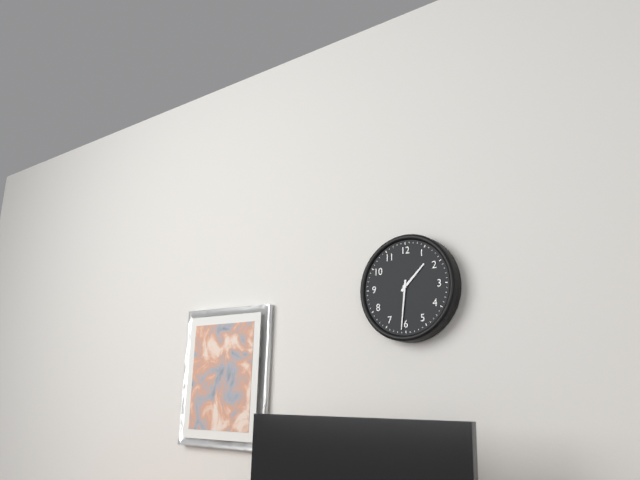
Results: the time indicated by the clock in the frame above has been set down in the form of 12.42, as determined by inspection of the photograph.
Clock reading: 1.31
